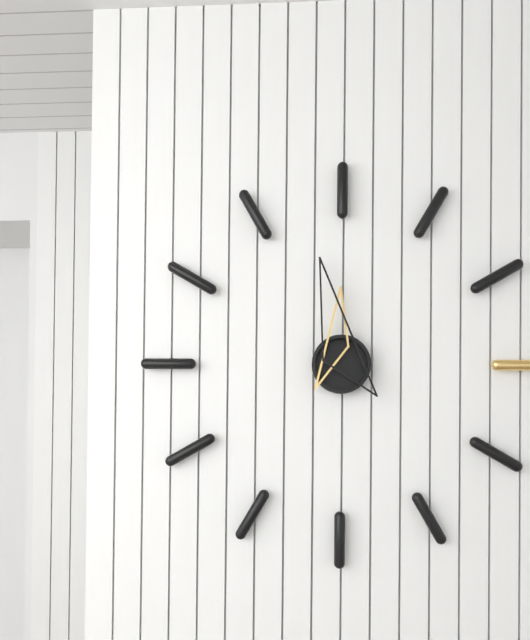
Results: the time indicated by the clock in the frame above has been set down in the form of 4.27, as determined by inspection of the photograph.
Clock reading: 11.58
